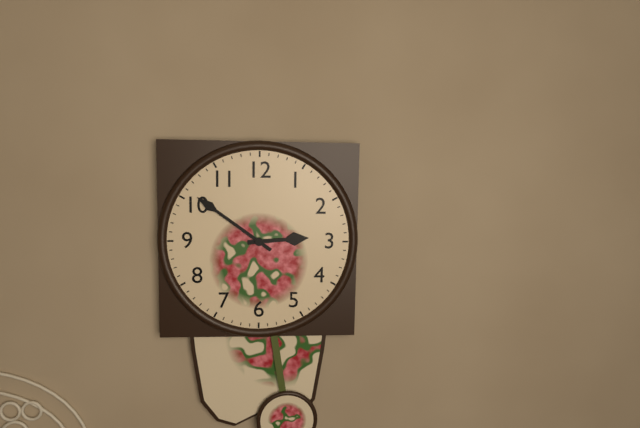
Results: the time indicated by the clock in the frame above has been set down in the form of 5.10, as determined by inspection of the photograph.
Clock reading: 2.51
